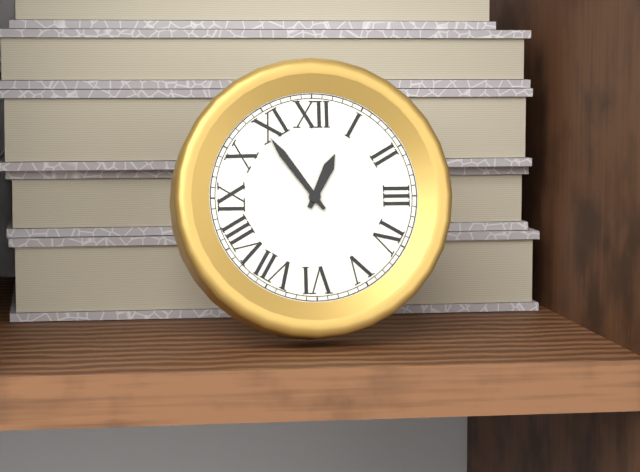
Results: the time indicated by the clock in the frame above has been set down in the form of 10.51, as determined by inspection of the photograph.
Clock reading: 12.54
